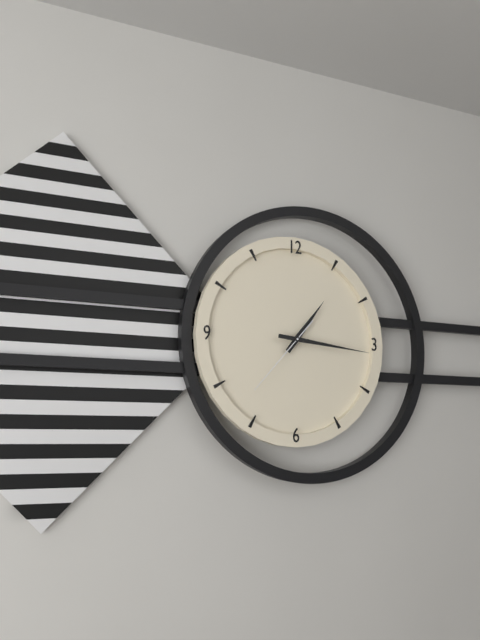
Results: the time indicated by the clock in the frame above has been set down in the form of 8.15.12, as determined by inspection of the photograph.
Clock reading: 1.16.37
